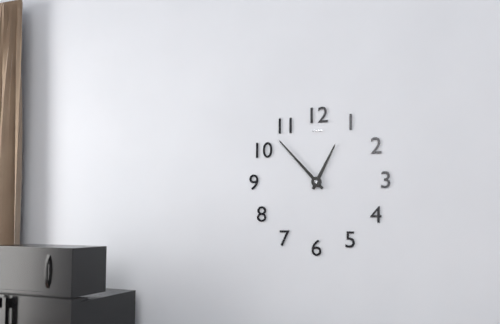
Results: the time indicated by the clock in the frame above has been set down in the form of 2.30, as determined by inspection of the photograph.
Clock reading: 12.53
